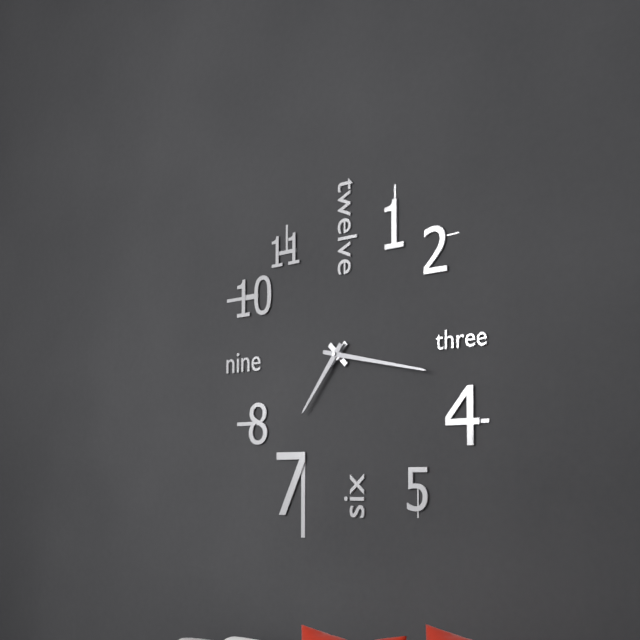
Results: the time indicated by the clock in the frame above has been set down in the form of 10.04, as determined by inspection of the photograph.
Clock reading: 7.17
